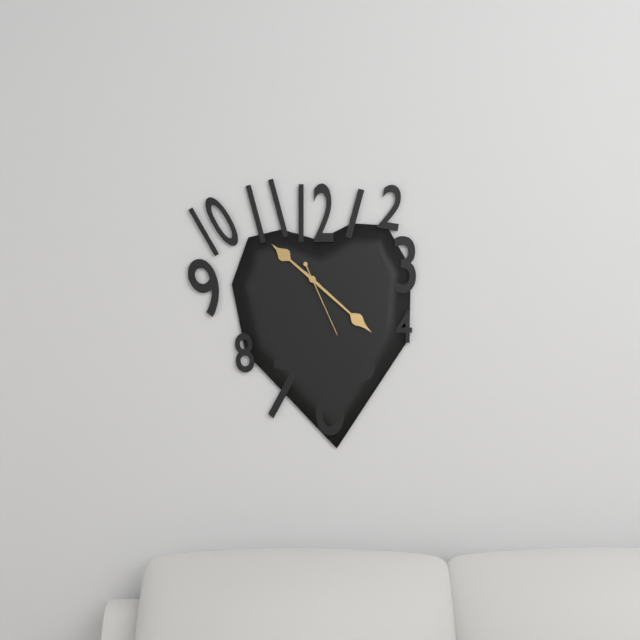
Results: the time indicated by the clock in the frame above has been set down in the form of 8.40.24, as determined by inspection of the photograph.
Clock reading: 10.22.26
